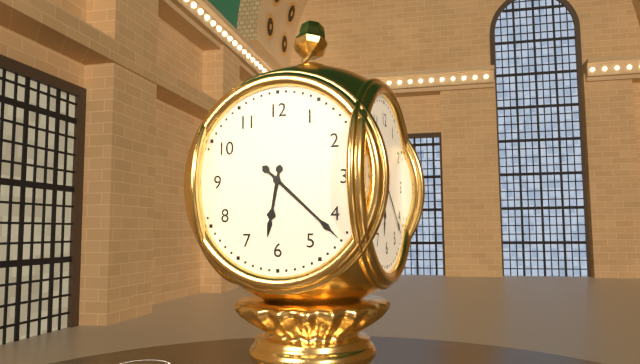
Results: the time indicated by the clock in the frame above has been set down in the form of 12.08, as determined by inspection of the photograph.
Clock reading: 6.22
